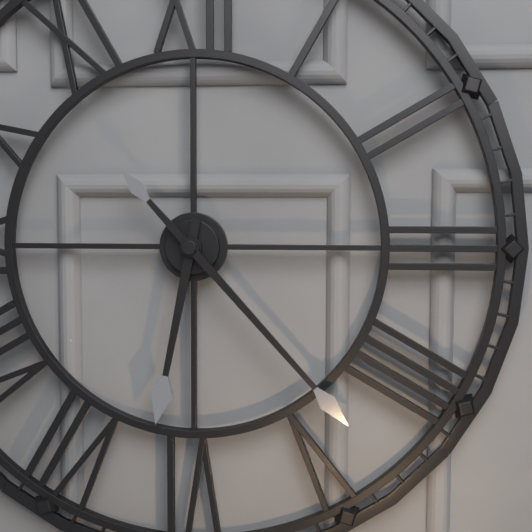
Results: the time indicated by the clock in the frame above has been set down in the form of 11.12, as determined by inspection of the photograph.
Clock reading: 6.23
